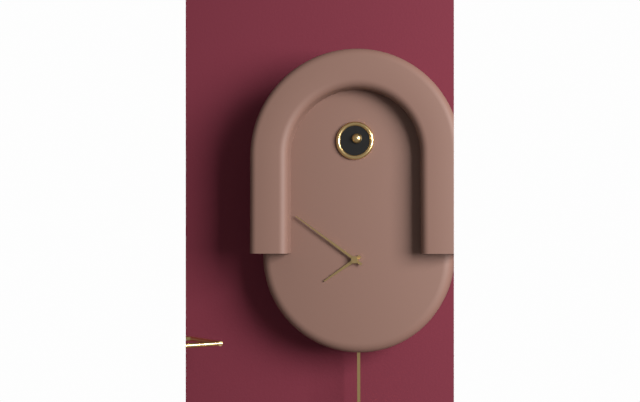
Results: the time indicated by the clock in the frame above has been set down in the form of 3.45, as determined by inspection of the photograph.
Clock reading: 7.51
